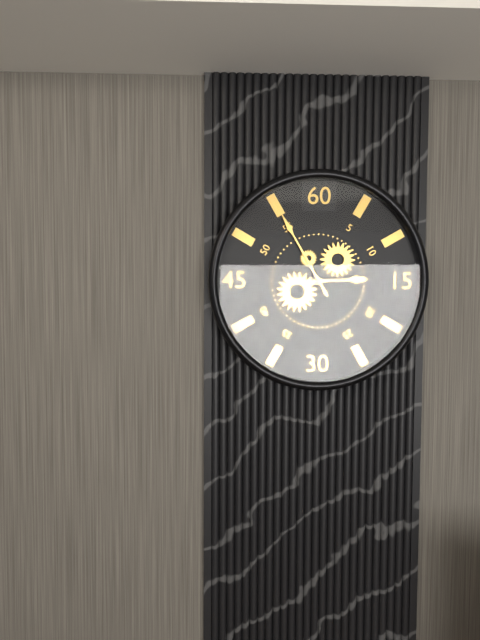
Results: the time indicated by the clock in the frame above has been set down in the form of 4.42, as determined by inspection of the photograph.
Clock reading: 2.55
